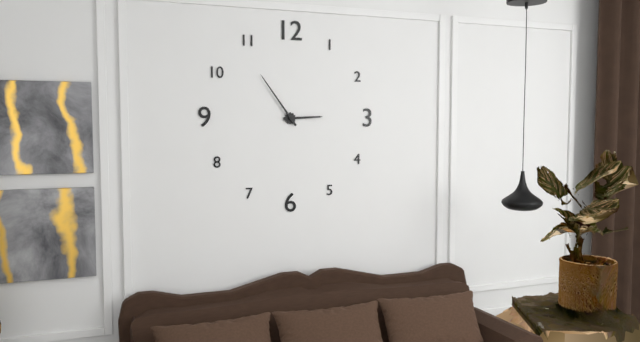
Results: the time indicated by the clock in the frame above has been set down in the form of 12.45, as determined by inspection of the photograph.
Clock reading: 2.54
